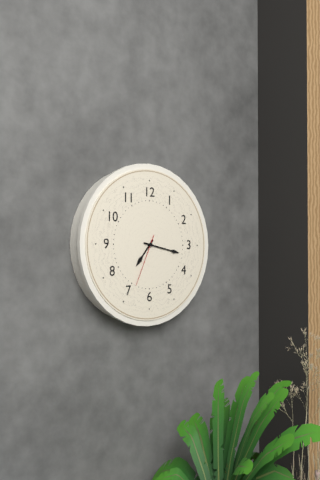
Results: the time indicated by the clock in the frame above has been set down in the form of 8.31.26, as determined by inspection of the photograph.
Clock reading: 7.17.34
